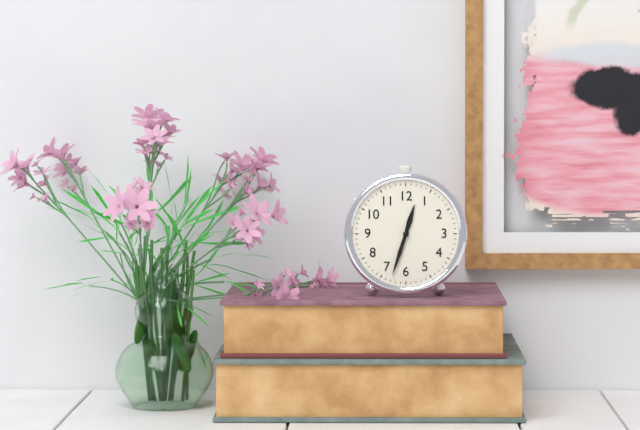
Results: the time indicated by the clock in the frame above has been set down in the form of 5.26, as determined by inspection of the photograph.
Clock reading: 12.33
